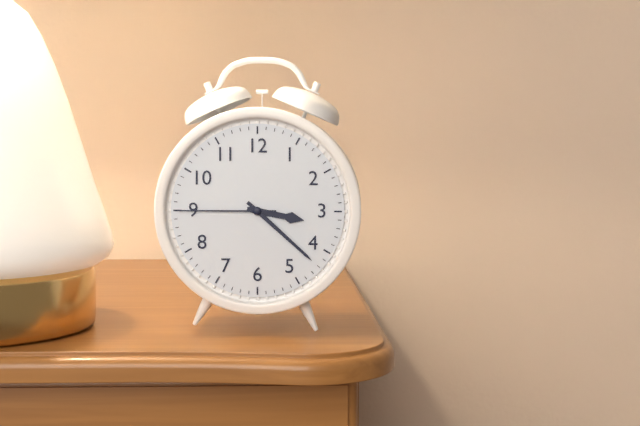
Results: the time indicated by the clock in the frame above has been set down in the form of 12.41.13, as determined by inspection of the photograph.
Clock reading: 3.22.45
